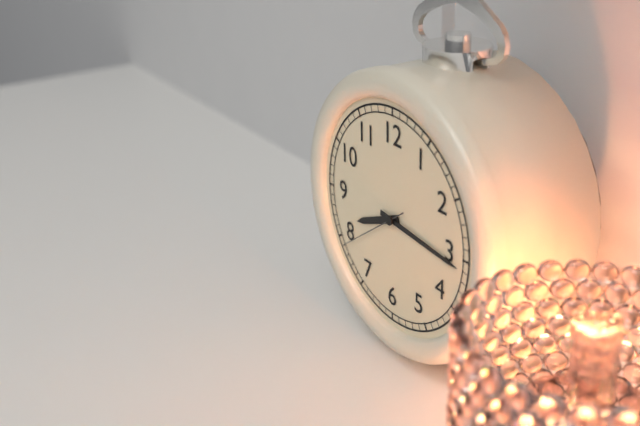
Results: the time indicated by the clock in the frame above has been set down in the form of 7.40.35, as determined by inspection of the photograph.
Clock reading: 8.16.39
